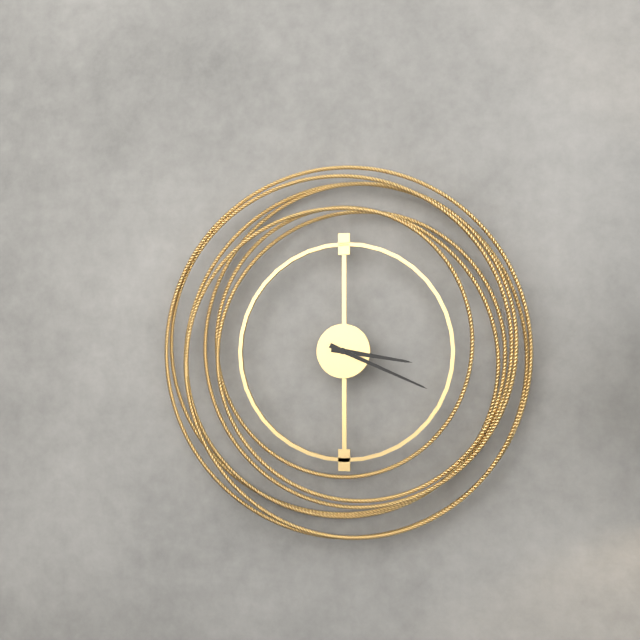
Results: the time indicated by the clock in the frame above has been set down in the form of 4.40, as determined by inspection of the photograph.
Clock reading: 3.19
